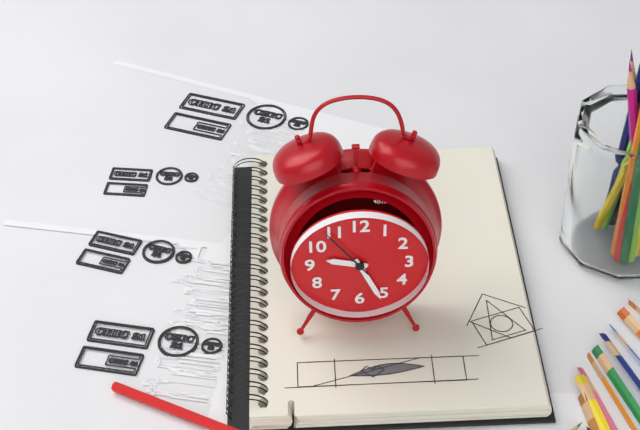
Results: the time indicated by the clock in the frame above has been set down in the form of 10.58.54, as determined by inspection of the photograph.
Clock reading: 9.26.54
